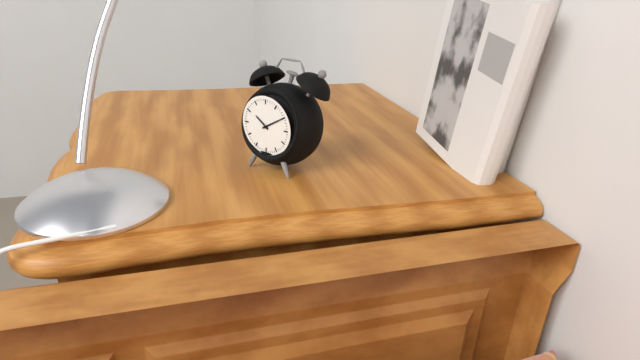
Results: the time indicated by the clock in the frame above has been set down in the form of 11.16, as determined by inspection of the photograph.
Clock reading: 10.10
